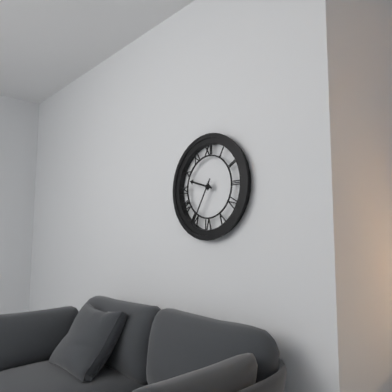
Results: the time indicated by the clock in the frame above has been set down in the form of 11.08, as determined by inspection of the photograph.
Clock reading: 9.35
